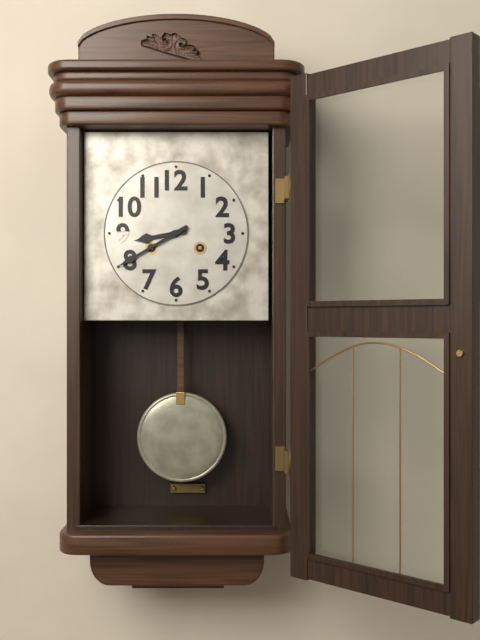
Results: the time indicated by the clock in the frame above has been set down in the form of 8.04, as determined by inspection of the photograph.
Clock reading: 8.40
